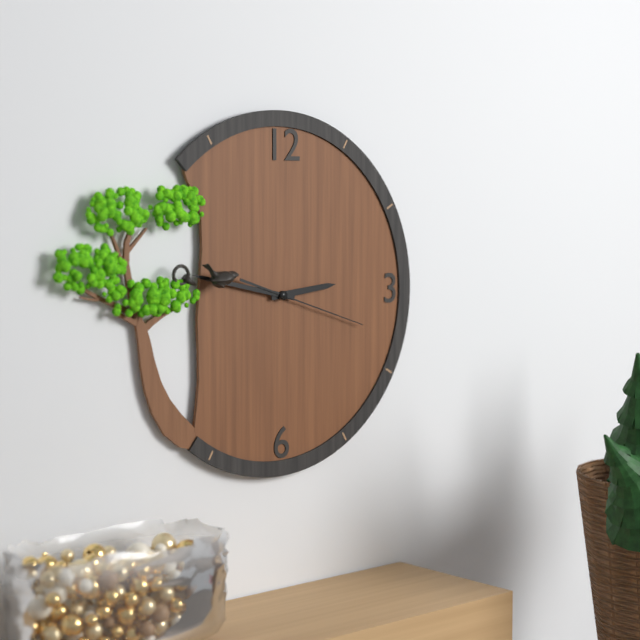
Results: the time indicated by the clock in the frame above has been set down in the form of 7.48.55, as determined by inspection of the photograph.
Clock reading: 2.47.18
